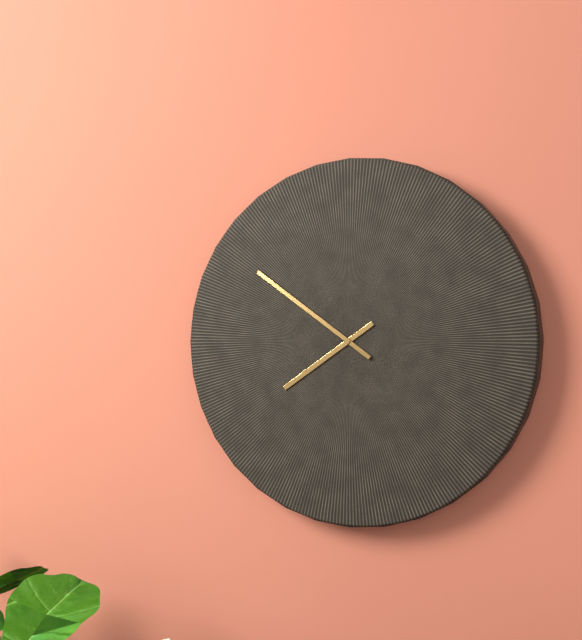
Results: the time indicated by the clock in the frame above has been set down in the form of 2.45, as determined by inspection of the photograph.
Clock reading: 7.51
